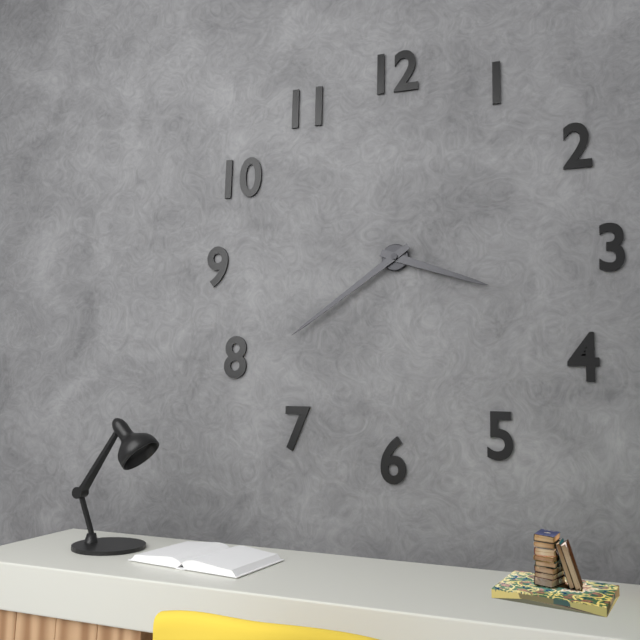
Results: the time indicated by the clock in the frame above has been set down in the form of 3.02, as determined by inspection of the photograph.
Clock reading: 3.39
